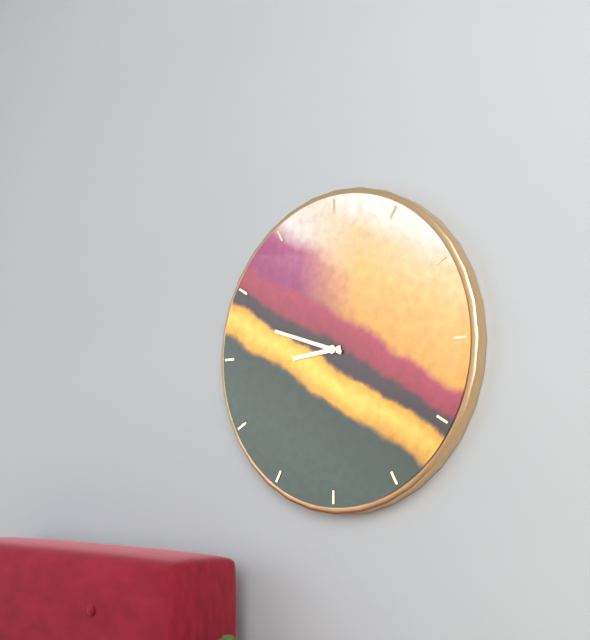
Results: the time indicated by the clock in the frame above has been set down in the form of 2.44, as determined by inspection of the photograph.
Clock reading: 8.48
